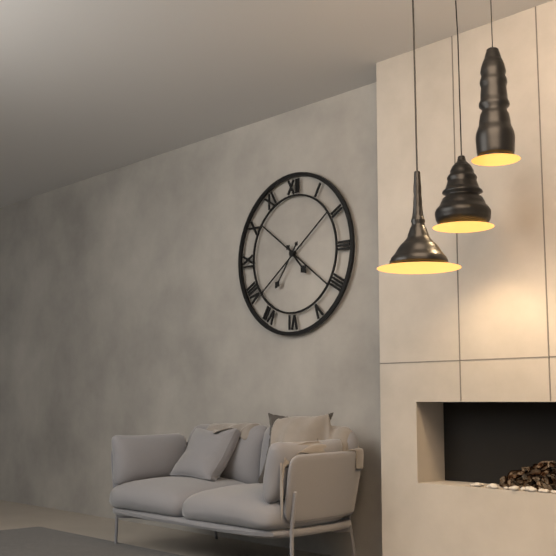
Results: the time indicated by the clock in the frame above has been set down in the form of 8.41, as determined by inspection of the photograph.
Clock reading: 4.36
